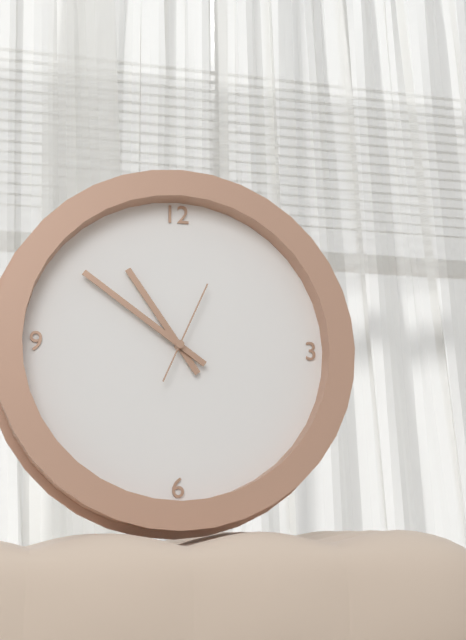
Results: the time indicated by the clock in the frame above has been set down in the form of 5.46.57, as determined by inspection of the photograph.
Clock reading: 10.51.04
